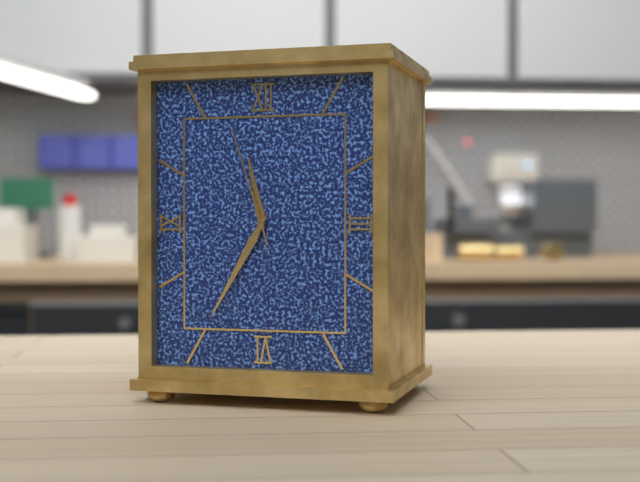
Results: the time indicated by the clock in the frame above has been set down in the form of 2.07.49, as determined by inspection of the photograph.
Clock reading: 11.35.57
